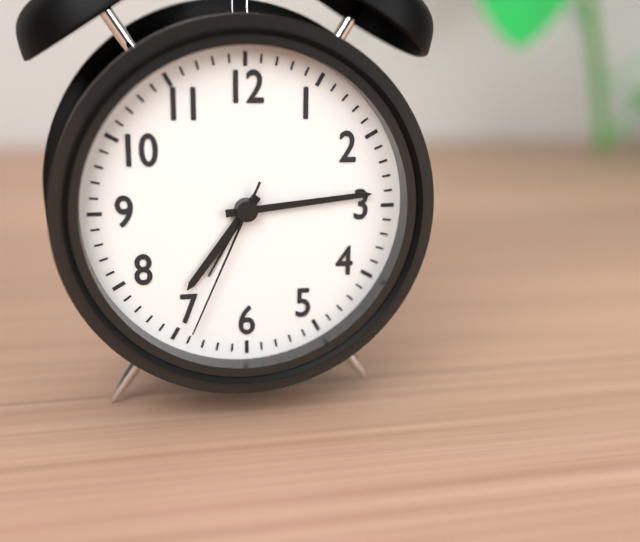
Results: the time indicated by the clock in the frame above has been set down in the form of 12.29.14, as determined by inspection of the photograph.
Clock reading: 7.14.34
